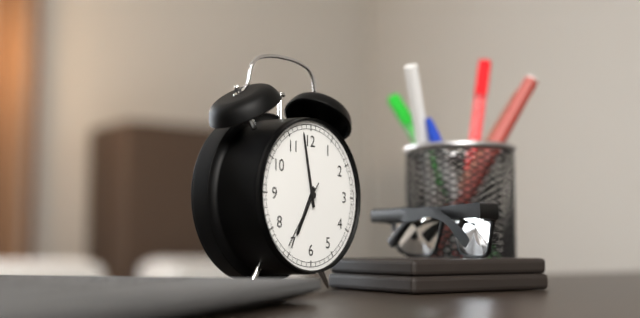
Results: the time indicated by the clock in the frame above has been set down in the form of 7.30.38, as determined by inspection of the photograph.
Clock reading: 6.58.36
